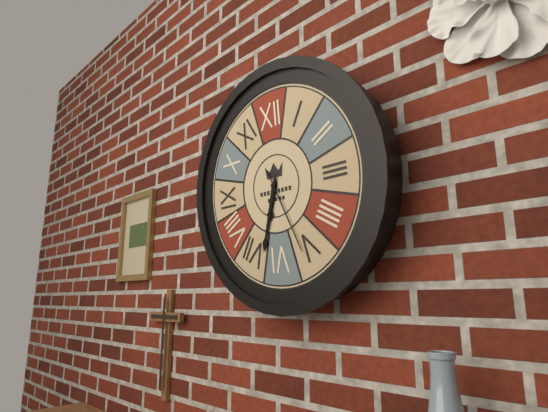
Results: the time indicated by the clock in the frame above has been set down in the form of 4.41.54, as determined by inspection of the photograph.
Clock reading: 6.33.26
